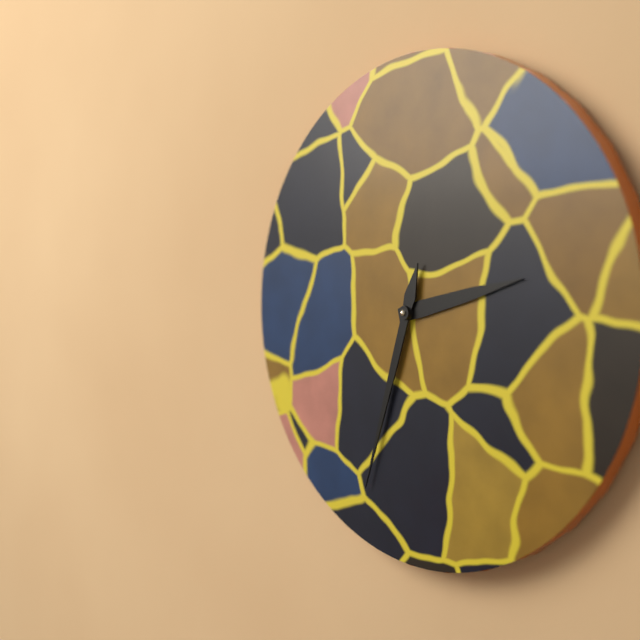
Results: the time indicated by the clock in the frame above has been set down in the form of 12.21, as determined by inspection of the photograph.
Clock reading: 2.33
